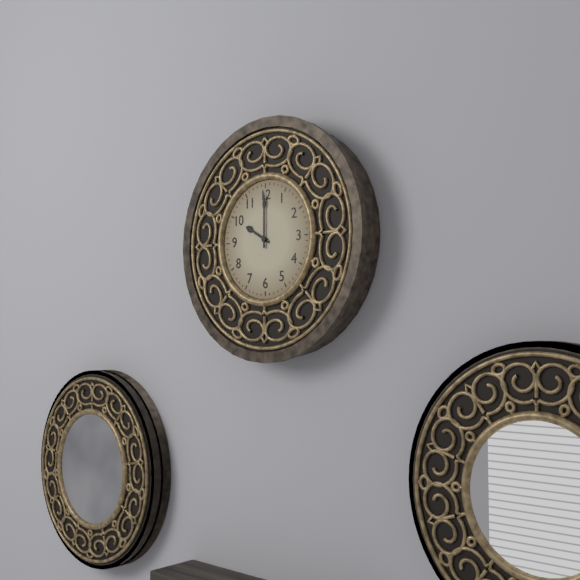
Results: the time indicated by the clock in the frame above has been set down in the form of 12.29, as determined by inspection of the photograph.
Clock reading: 10.00
